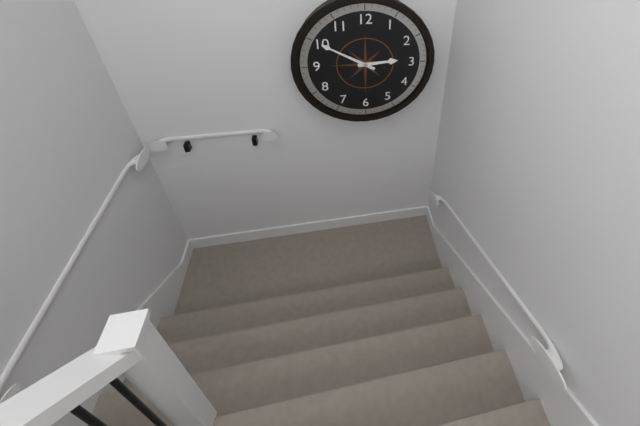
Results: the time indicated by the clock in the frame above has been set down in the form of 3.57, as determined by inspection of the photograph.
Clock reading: 2.50
